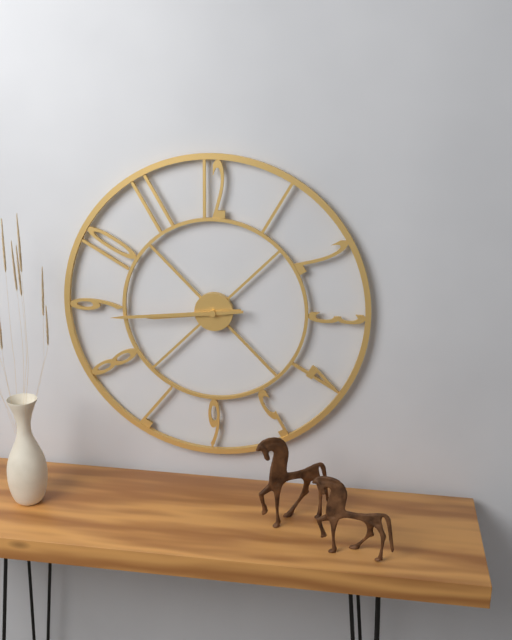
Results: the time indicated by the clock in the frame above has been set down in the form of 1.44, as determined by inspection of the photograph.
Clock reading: 8.44
